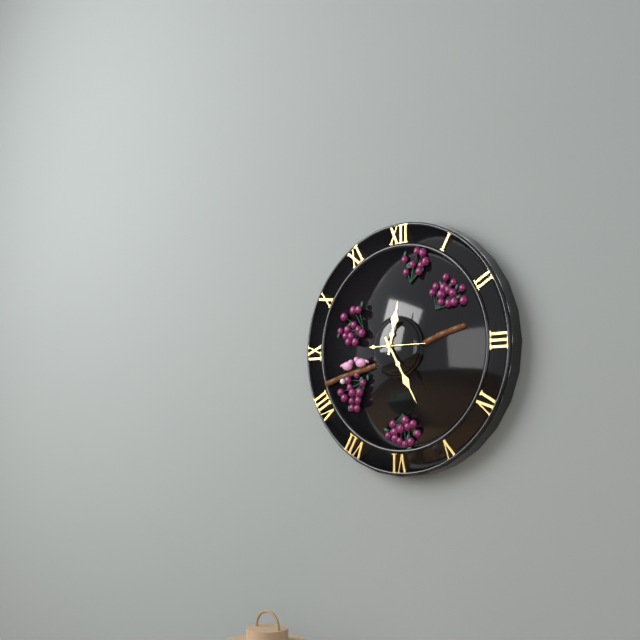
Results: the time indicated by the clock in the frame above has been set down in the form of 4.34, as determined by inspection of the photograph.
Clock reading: 12.25
